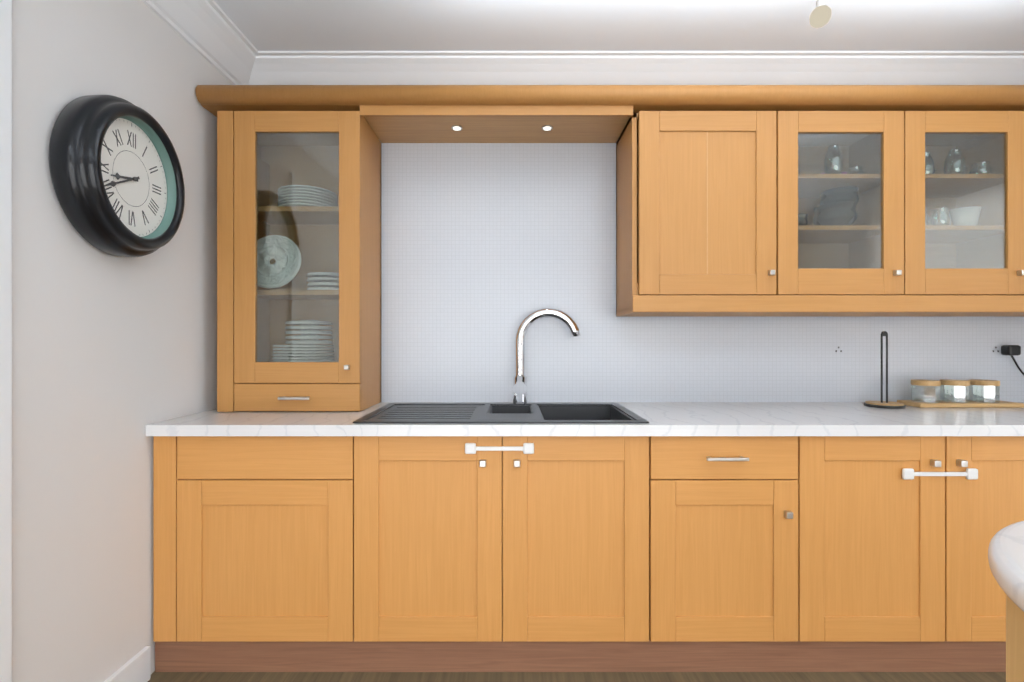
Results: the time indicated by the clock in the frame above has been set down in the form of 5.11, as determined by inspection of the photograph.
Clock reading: 8.41
